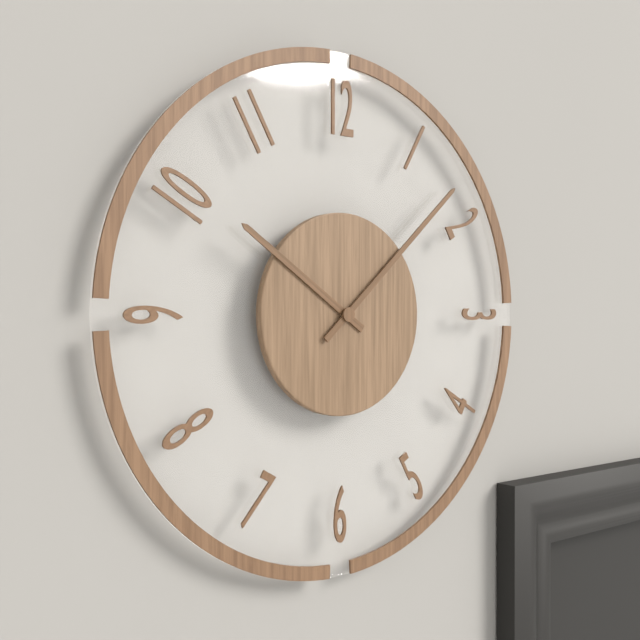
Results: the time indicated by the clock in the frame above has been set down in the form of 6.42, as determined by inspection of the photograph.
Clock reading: 10.08
